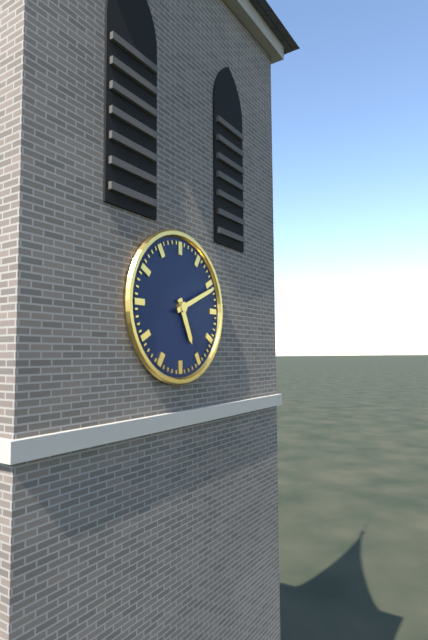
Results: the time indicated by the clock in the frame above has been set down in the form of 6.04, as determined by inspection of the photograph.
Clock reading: 5.11
